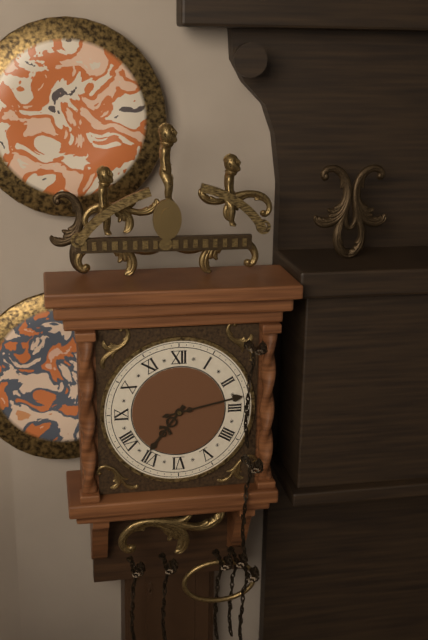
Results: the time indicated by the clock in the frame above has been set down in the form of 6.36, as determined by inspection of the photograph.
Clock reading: 7.13
